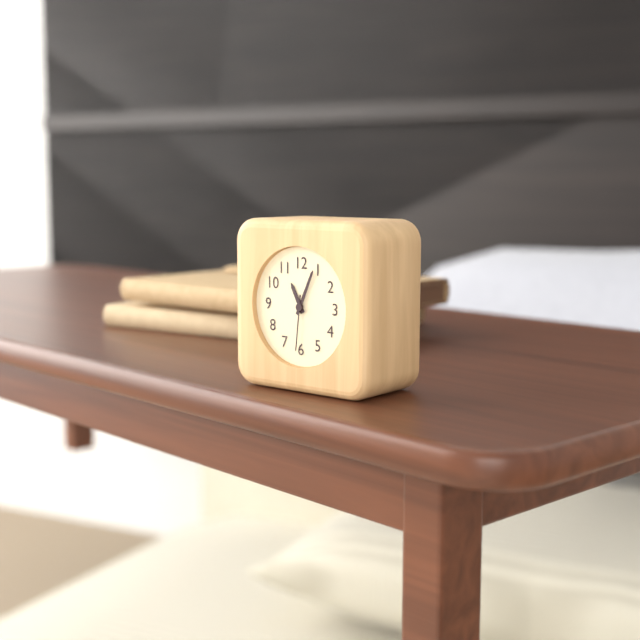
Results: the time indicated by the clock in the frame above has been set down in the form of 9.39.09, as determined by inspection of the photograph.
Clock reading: 11.04.31
